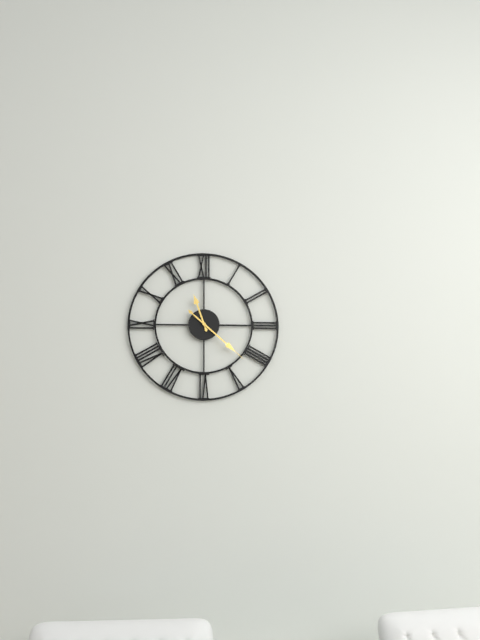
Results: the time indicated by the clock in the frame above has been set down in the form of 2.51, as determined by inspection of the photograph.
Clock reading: 11.22
